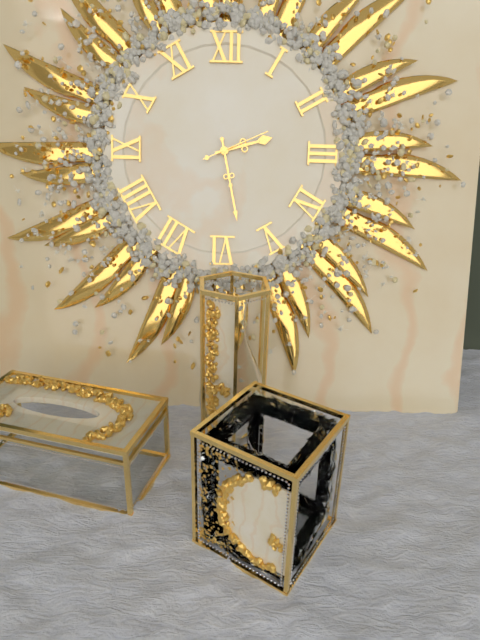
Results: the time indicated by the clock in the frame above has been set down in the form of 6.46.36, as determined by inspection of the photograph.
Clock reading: 2.28.11
